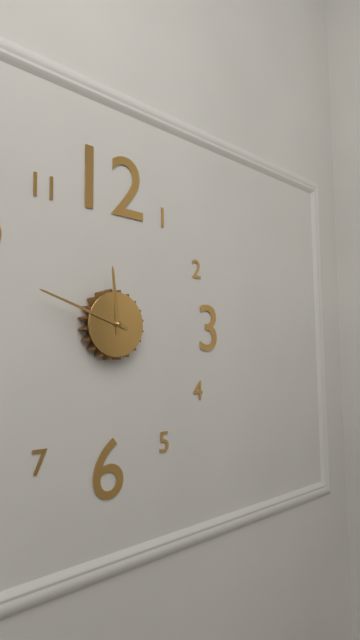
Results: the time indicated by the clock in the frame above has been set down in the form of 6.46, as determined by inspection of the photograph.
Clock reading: 11.48
